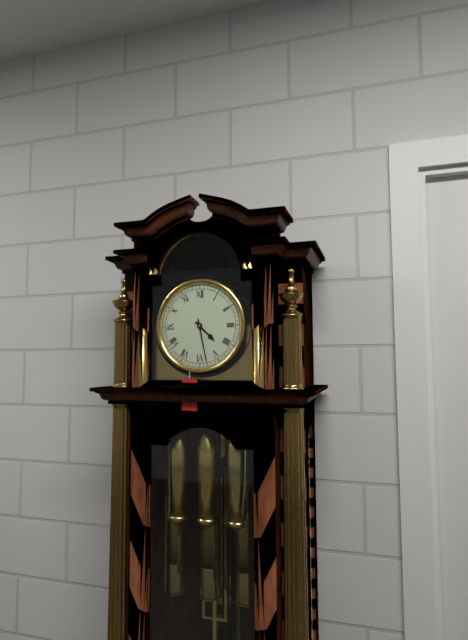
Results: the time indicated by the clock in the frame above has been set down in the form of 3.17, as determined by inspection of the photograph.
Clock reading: 4.28
